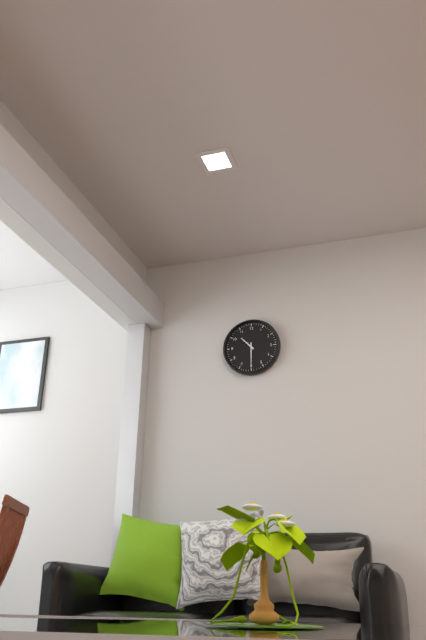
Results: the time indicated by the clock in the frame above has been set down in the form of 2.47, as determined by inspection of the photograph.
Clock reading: 10.30
